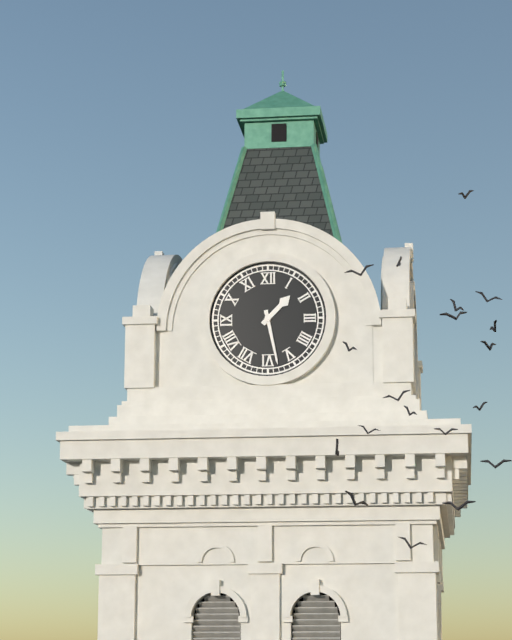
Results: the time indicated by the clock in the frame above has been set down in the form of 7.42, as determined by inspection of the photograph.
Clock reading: 1.28
